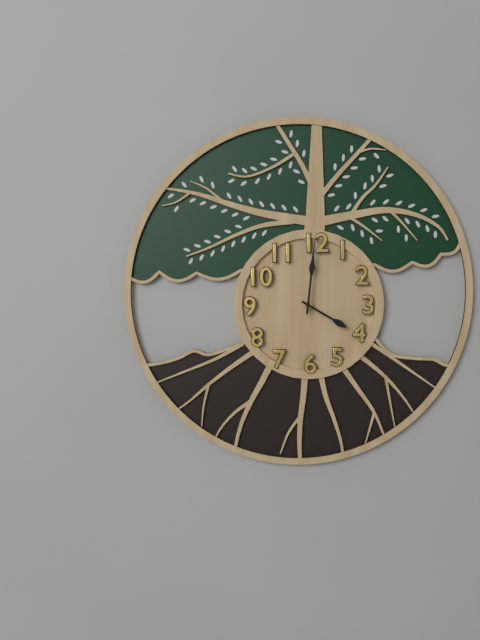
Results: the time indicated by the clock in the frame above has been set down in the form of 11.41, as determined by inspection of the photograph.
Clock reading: 4.01
